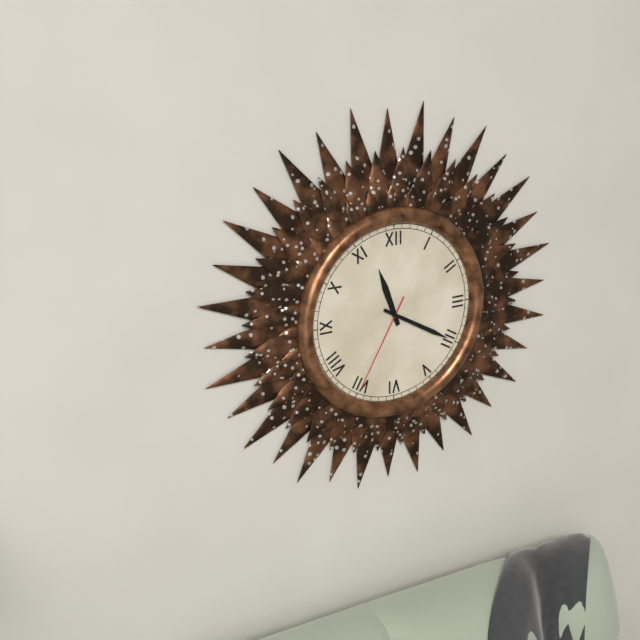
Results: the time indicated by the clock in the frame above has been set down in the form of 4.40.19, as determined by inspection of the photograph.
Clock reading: 11.20.35
